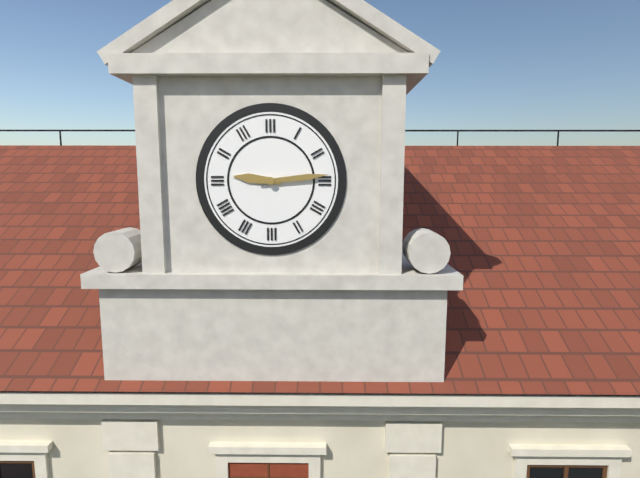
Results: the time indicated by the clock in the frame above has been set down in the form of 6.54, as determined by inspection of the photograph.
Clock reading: 9.14
